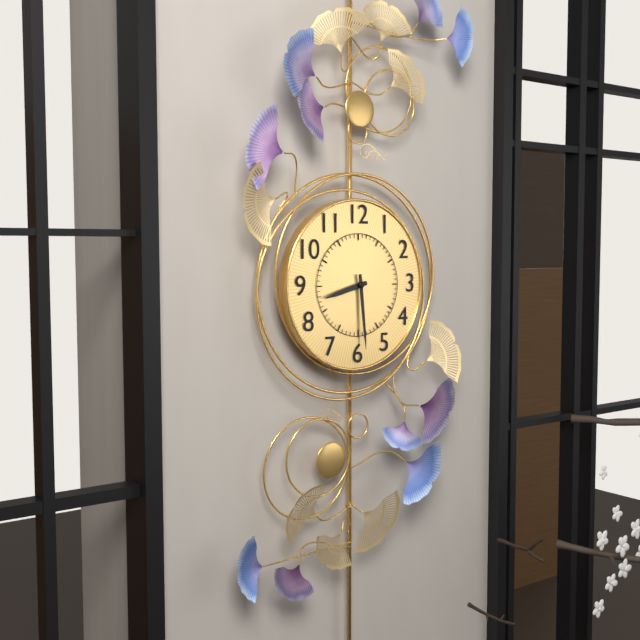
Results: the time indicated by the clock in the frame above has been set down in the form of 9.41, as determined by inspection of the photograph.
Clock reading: 8.29
